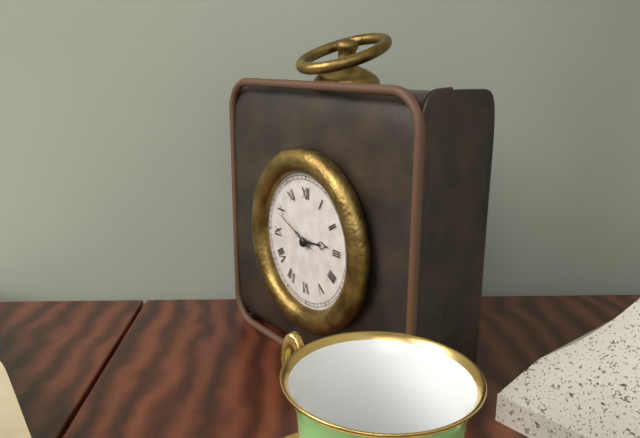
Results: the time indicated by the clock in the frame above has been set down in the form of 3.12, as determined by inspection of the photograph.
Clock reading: 2.49
